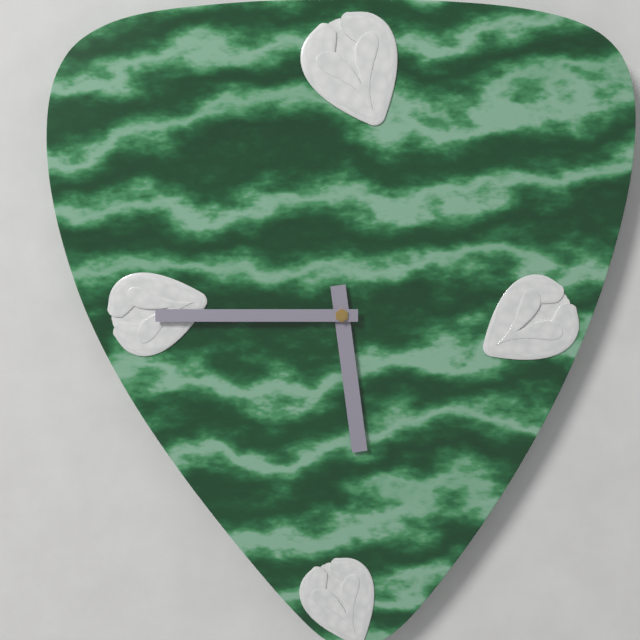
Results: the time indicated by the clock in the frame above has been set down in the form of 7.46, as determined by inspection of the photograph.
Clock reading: 5.45
